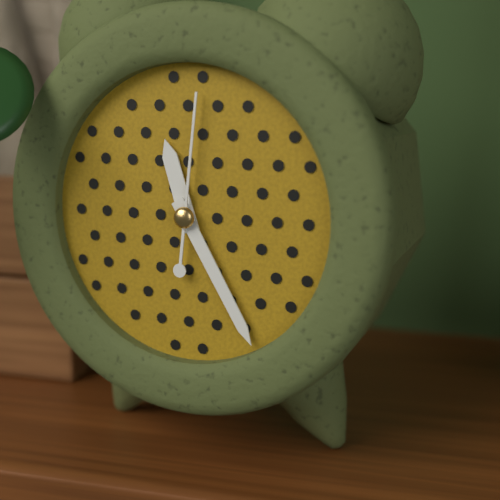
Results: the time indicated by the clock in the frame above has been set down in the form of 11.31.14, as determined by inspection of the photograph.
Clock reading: 11.25.01
